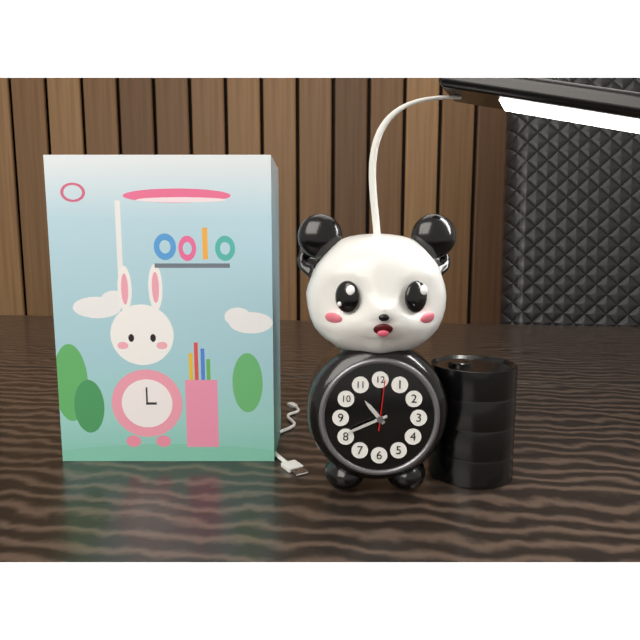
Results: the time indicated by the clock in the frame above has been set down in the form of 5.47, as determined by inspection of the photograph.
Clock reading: 10.41
